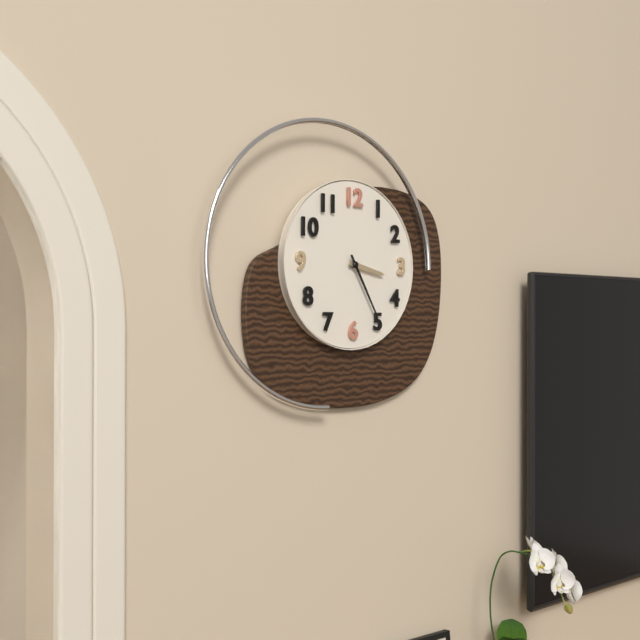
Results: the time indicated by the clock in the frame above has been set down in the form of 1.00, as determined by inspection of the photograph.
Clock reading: 3.25
